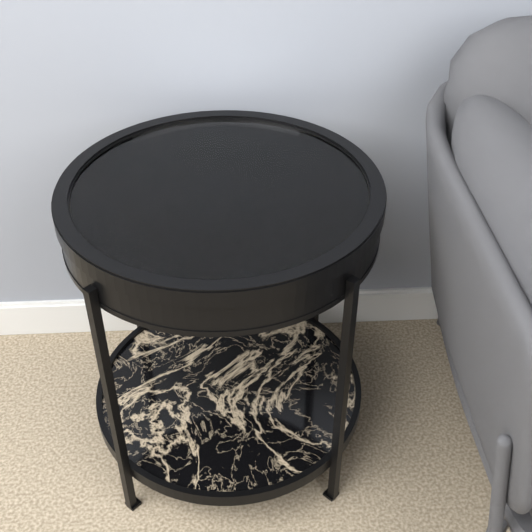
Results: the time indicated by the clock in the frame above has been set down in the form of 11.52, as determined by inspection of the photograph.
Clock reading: 7.22
